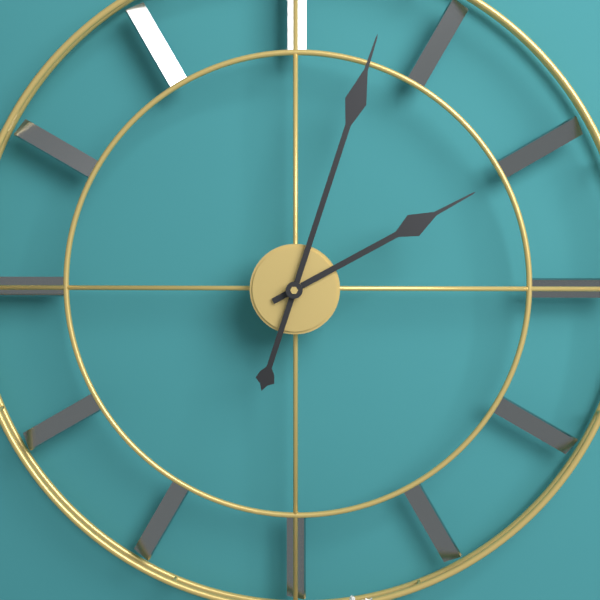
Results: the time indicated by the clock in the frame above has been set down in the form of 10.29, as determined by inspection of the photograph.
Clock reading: 2.03
